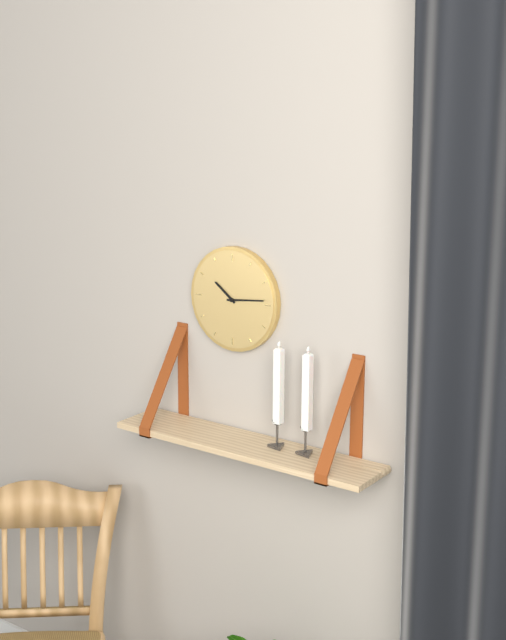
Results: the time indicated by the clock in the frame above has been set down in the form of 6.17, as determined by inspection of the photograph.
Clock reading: 10.14
